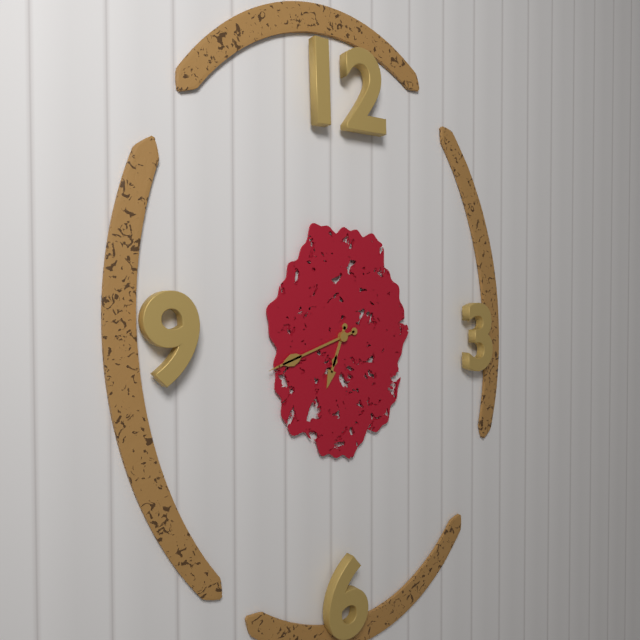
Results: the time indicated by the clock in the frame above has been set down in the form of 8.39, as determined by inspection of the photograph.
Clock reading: 6.42
